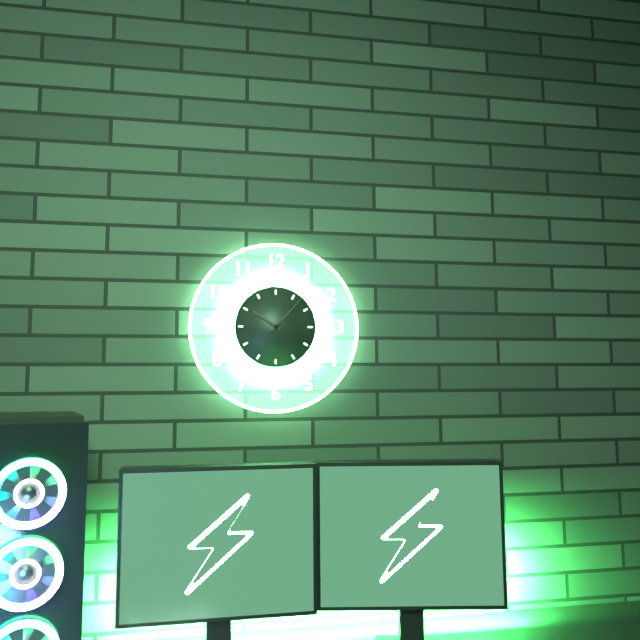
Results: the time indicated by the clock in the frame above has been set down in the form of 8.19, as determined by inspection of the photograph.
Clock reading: 10.07
